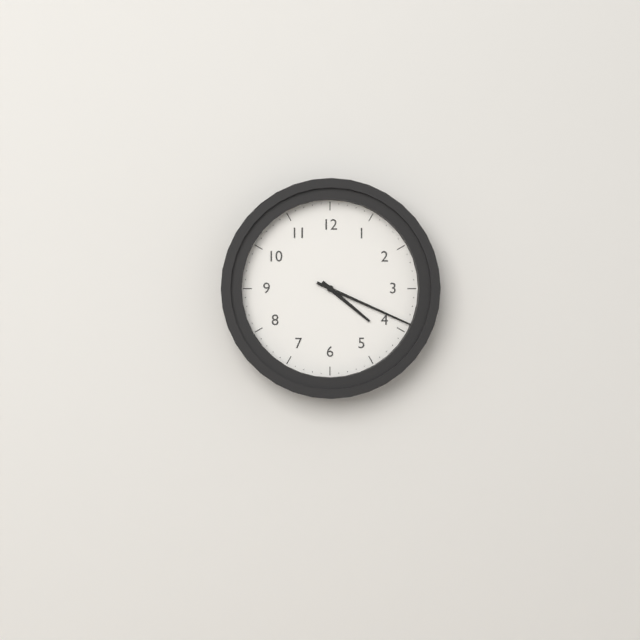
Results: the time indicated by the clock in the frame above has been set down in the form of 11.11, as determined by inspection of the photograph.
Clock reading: 4.19
